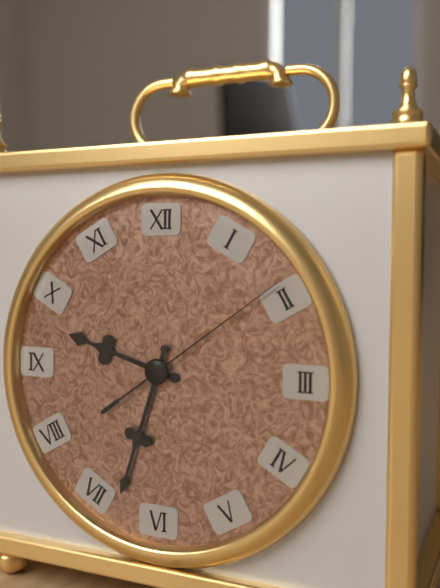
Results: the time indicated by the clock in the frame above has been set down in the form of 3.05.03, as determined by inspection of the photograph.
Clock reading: 9.33.09
